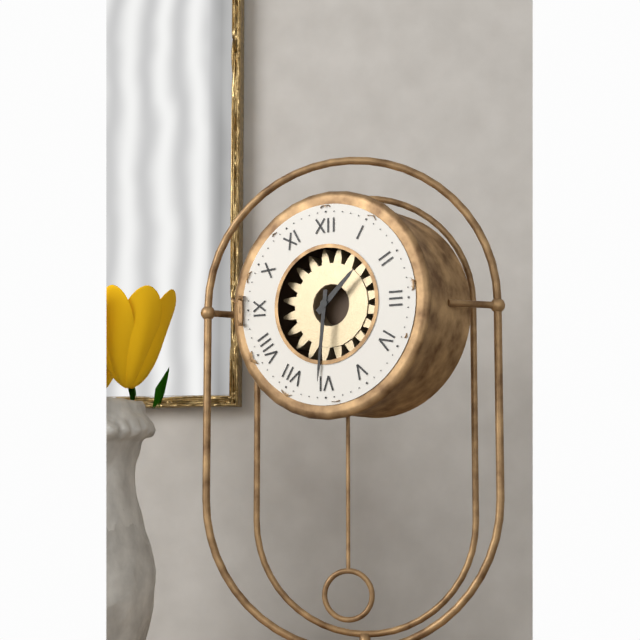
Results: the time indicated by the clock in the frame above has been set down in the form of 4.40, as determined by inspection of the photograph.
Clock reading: 1.31
